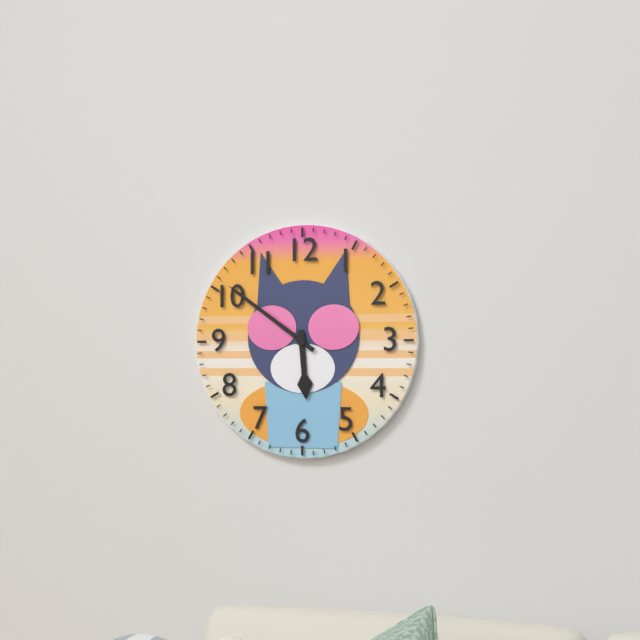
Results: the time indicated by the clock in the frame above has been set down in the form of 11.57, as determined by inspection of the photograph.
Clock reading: 5.51
